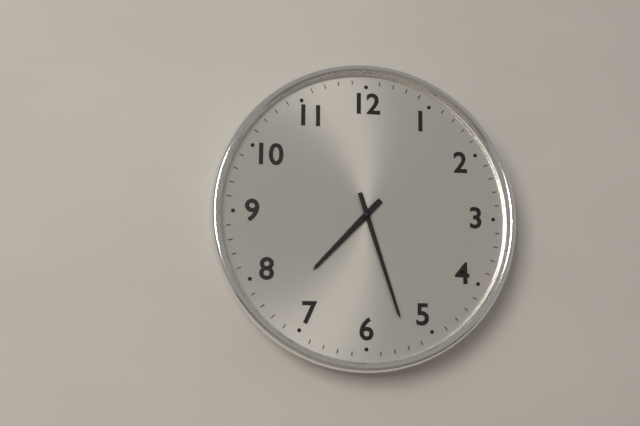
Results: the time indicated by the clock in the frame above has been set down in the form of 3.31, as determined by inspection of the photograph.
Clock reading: 7.27
